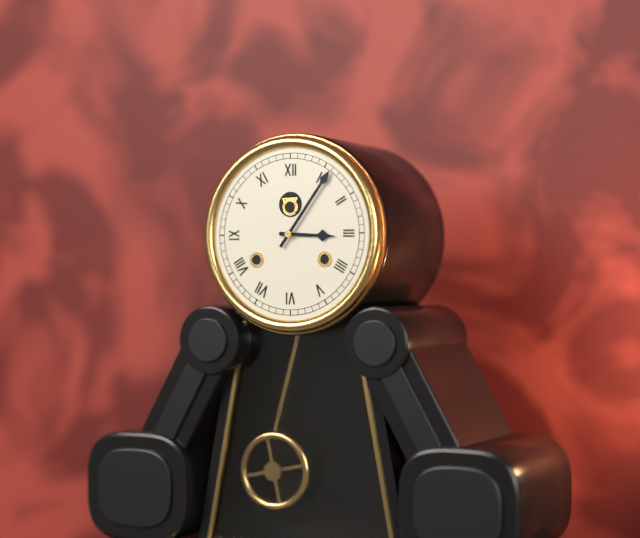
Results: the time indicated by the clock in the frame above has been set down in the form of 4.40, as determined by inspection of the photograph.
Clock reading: 3.06
